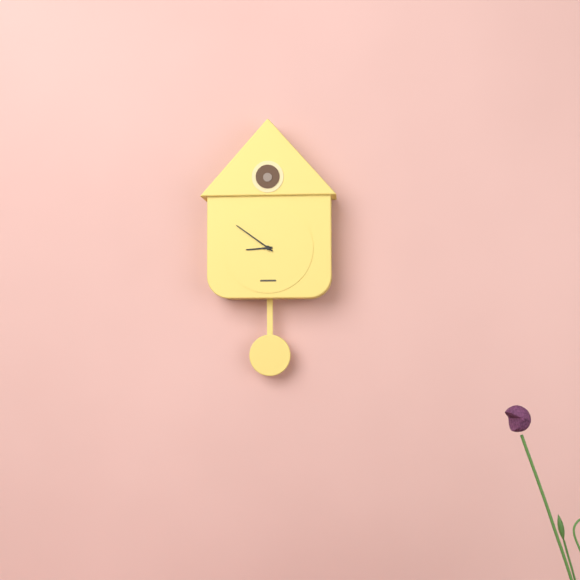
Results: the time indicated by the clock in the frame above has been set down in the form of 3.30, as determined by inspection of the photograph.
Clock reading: 8.51
